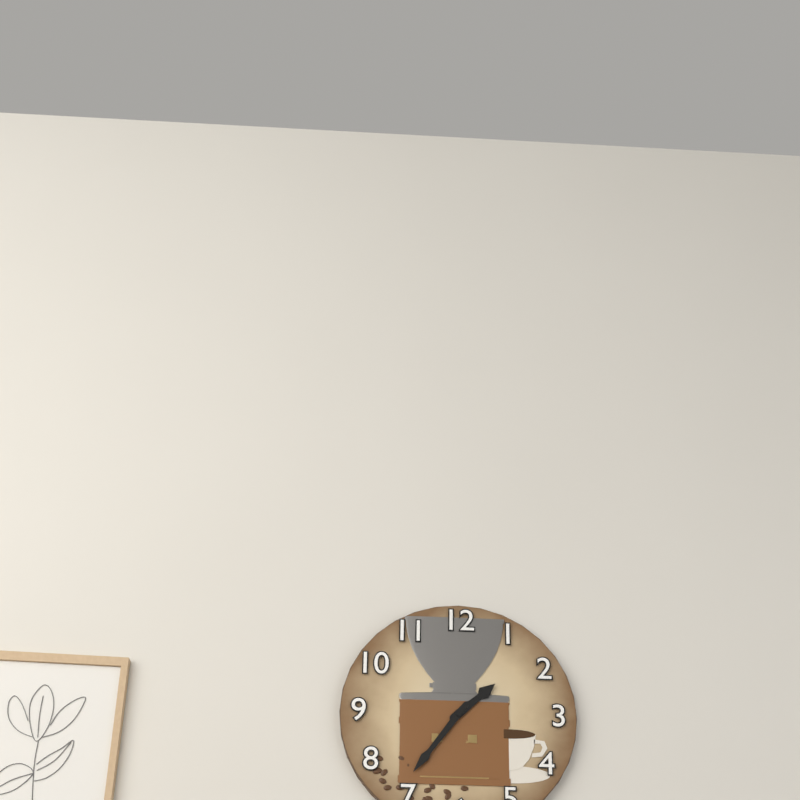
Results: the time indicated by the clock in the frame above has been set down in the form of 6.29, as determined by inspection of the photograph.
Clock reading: 1.36
